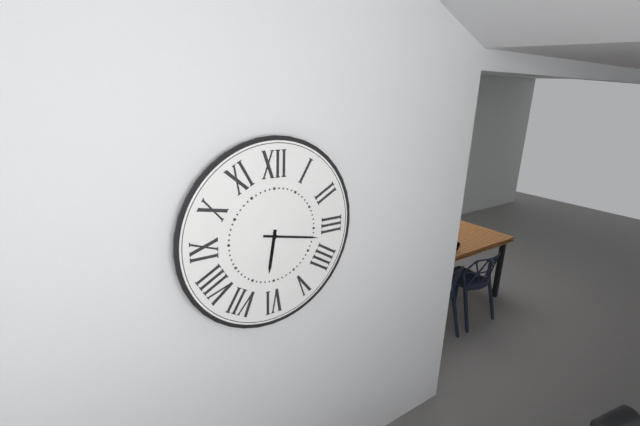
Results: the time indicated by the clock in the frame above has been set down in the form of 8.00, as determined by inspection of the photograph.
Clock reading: 6.17
